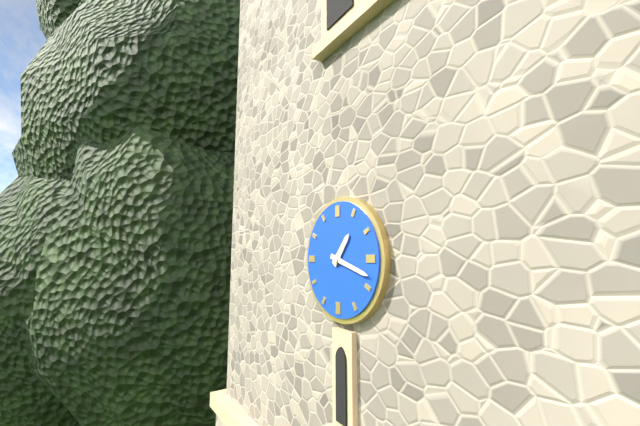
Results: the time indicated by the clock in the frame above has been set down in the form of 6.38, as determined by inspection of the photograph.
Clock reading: 1.18
